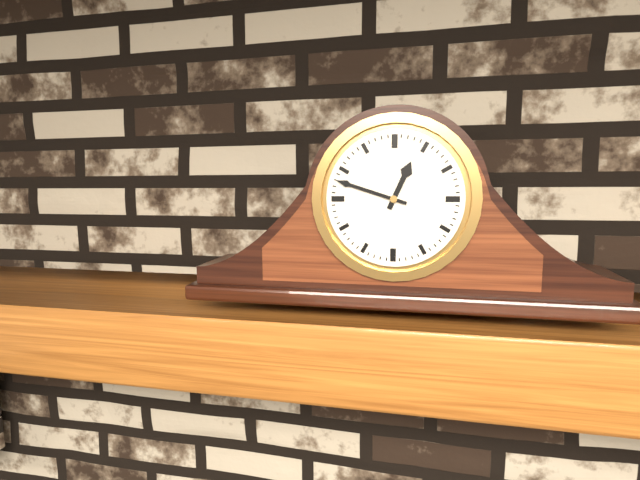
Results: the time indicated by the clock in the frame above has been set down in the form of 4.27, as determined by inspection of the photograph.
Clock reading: 12.48
